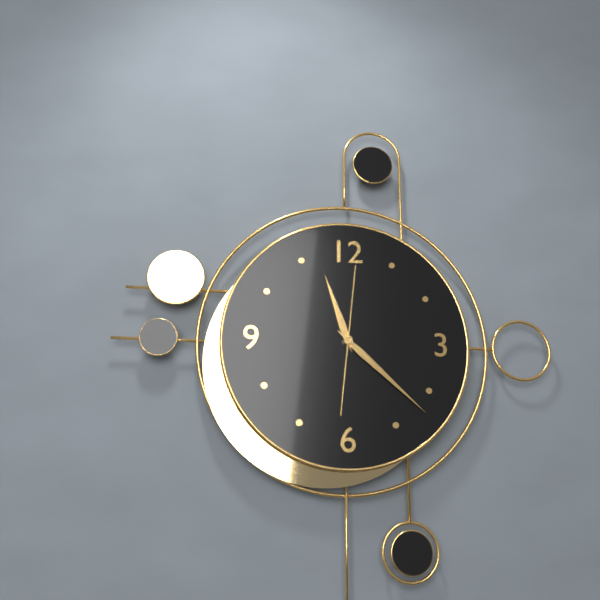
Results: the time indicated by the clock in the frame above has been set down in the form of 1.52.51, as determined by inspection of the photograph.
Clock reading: 11.22.01
